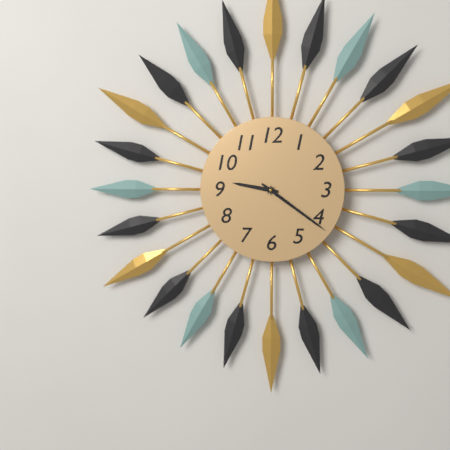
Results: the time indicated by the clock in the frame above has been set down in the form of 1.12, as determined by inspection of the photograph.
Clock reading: 9.21
